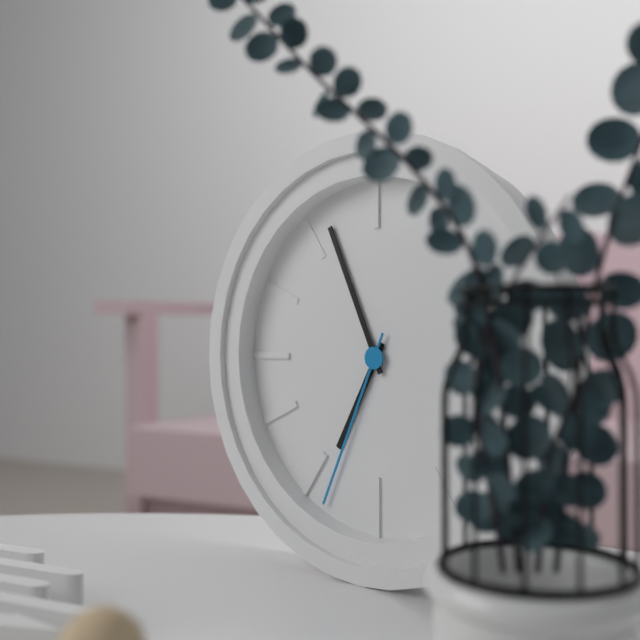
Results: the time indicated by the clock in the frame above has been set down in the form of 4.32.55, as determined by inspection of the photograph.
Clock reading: 6.56.34
